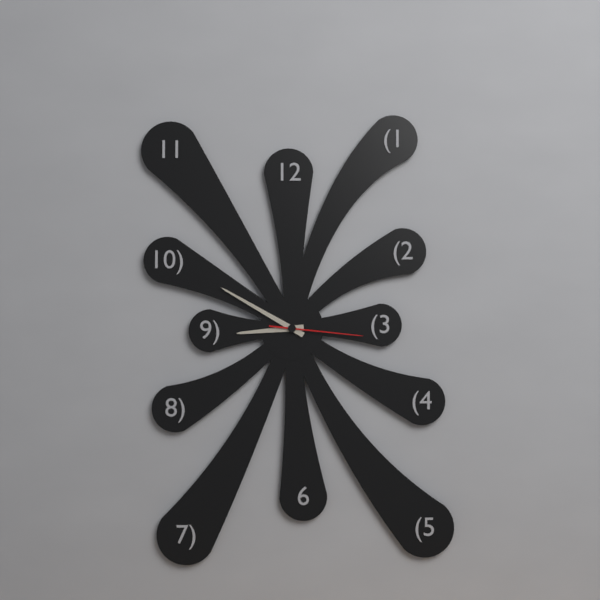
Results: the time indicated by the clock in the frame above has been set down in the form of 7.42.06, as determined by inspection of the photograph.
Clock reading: 8.50.16
